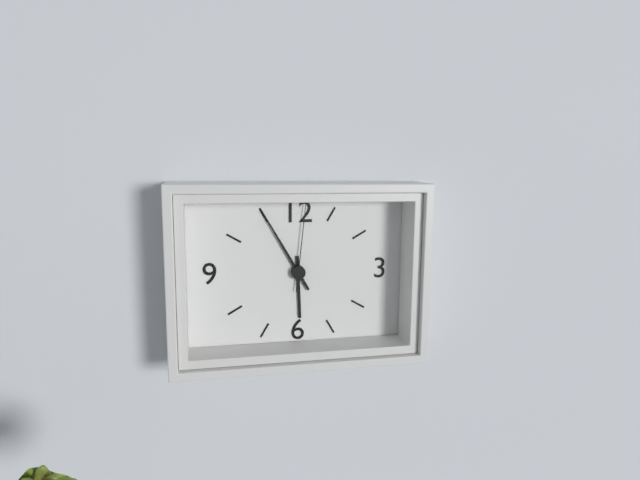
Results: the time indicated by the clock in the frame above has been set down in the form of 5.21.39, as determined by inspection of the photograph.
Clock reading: 5.55.01
